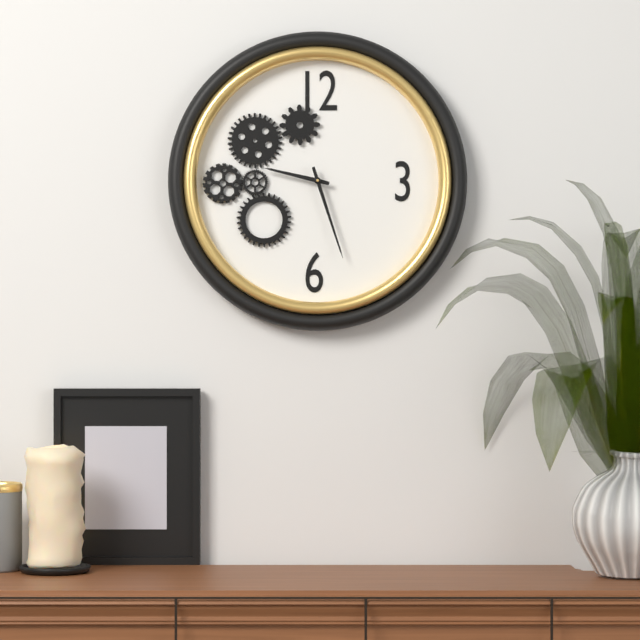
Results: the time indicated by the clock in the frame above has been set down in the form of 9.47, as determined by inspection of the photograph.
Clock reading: 9.27
